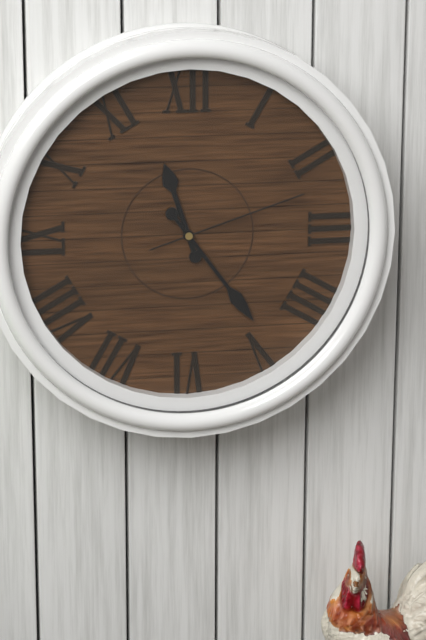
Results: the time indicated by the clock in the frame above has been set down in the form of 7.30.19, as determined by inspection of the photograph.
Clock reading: 11.24.12
